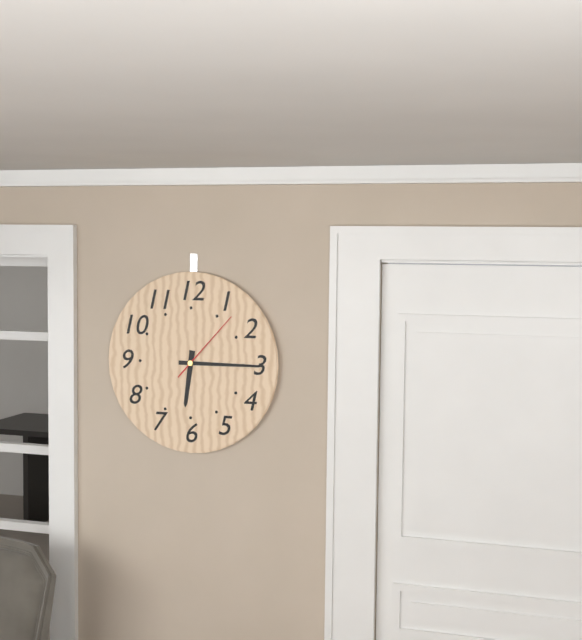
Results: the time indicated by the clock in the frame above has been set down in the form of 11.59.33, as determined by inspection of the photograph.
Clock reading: 6.15.07
